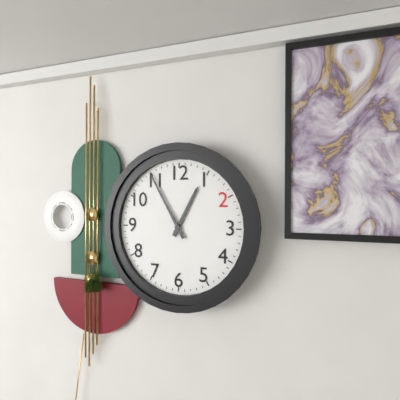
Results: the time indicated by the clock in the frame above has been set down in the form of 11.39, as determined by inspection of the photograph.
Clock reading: 12.55
